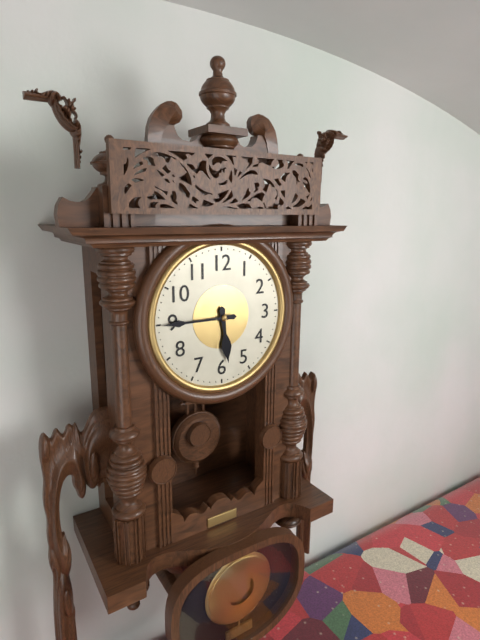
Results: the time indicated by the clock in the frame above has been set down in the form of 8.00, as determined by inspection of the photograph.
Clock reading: 5.45
